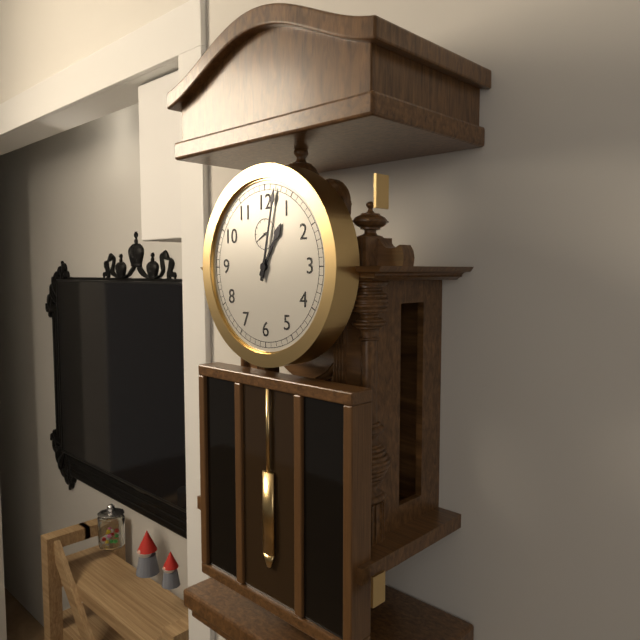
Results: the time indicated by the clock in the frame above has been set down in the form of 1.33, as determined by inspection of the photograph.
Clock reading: 1.02
